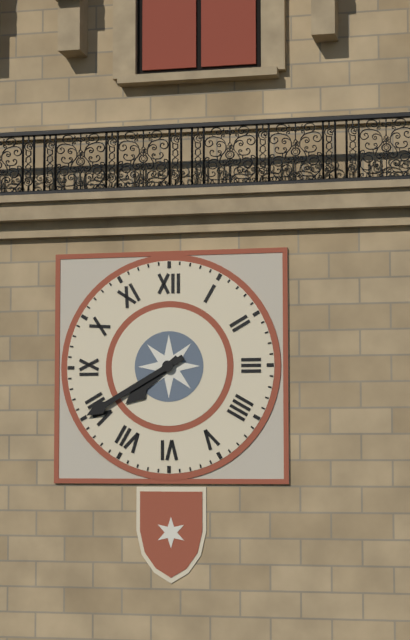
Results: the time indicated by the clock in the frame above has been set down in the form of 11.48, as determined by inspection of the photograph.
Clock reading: 7.40
